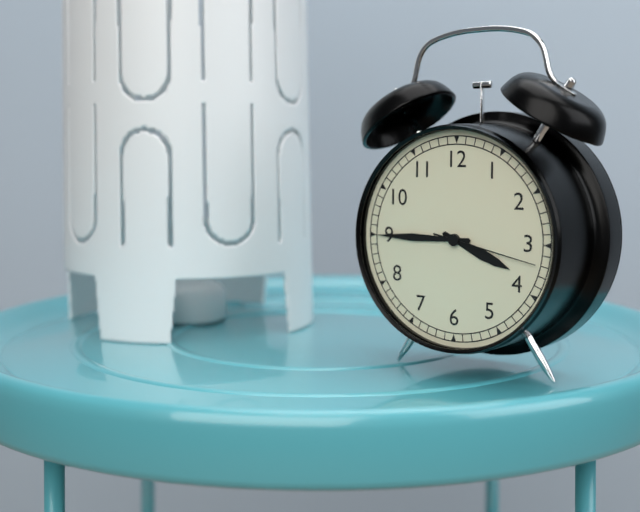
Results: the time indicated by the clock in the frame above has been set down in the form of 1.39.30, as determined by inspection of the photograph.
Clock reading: 3.45.17
